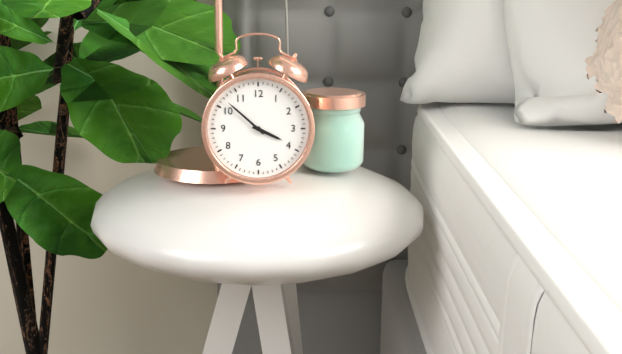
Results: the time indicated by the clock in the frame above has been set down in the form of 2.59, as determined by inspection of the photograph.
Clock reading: 3.52
